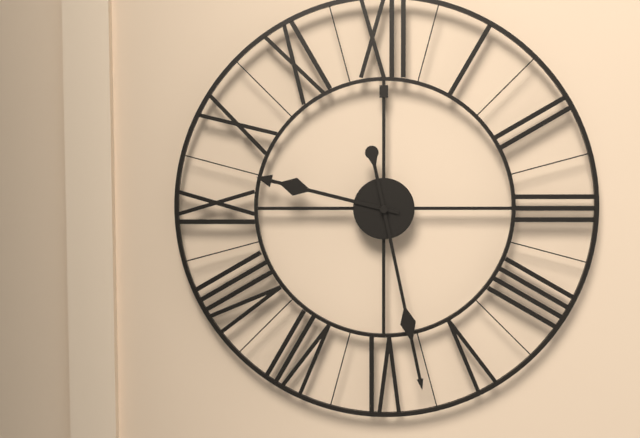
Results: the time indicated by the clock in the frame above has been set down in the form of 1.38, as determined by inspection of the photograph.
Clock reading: 9.28
